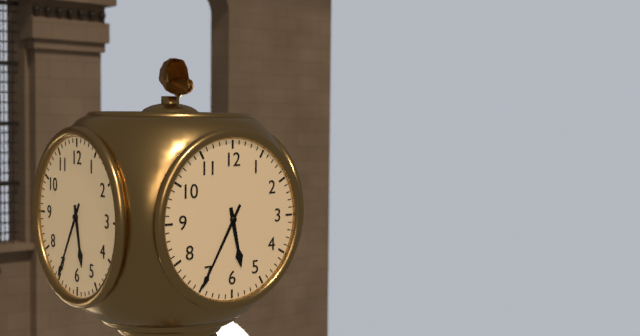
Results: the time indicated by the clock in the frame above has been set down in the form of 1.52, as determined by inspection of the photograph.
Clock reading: 5.35
